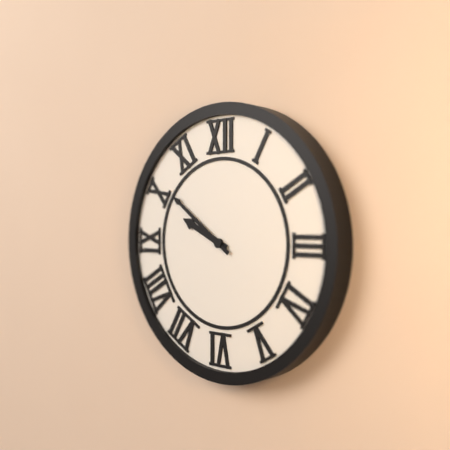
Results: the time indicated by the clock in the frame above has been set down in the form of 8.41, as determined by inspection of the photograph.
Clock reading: 9.51
